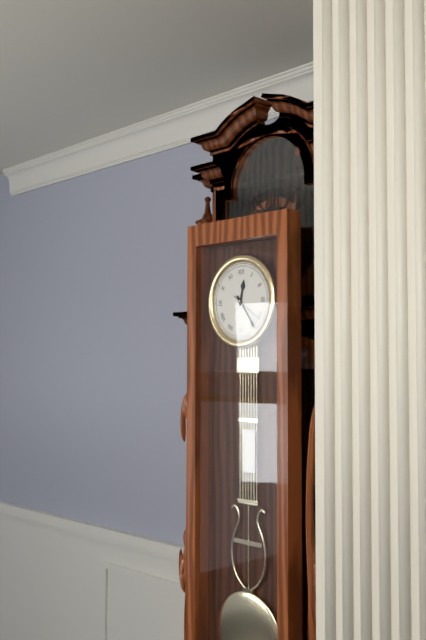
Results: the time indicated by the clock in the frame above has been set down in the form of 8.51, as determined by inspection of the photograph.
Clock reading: 12.24
